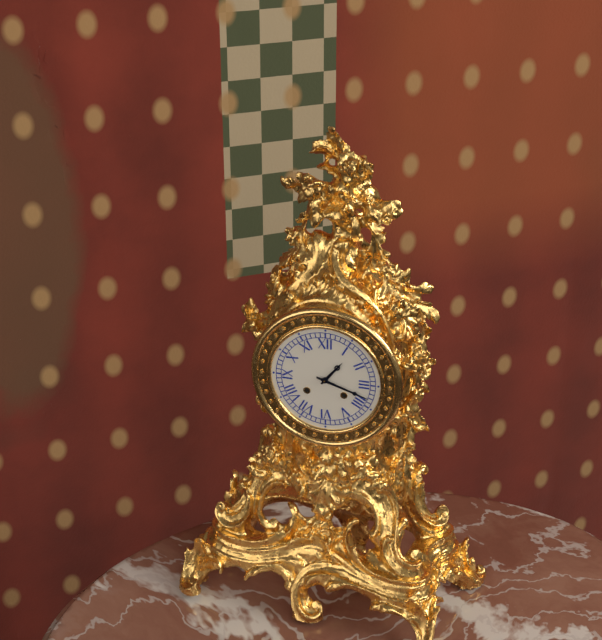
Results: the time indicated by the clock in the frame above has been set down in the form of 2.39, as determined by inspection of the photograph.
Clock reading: 1.18
